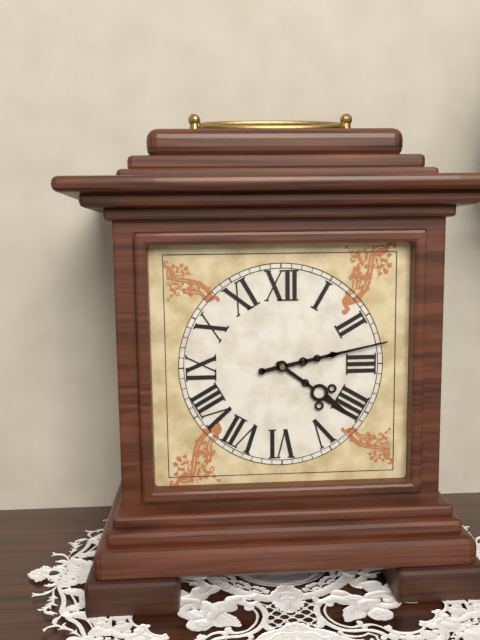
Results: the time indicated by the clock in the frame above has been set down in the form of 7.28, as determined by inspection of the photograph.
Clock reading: 4.13
